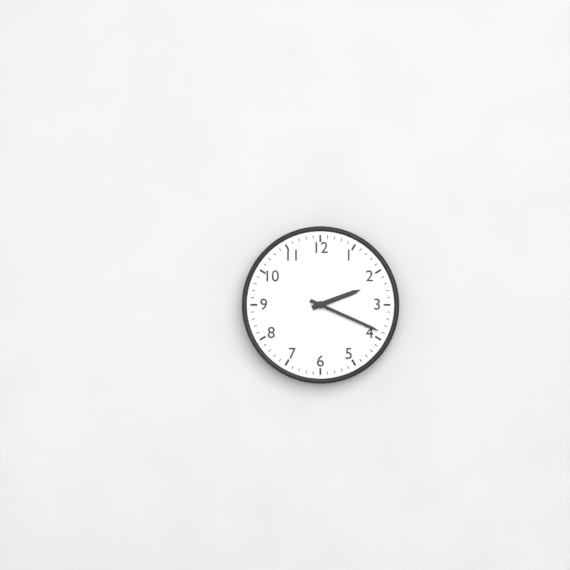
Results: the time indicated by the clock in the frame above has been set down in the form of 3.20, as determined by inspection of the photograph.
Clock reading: 2.19
